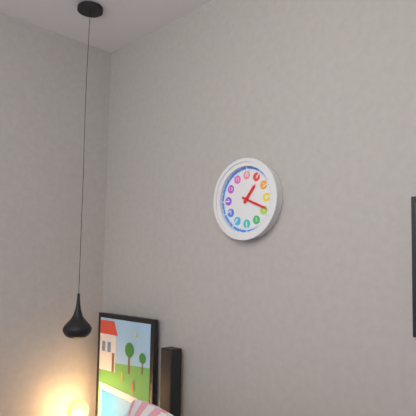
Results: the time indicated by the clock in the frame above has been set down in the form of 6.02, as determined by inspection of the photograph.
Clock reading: 1.19
